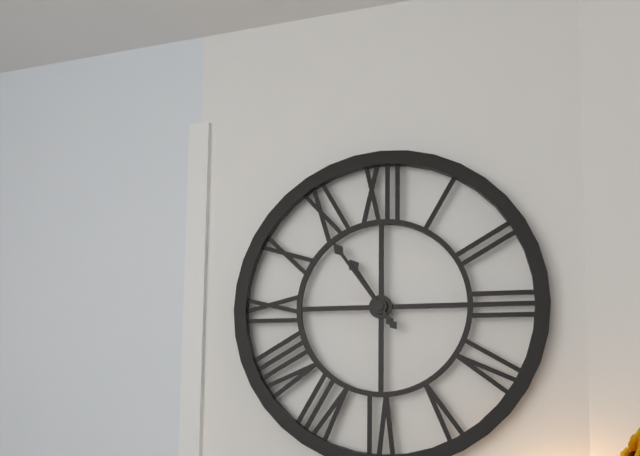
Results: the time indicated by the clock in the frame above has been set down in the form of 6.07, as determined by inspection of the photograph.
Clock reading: 10.54
